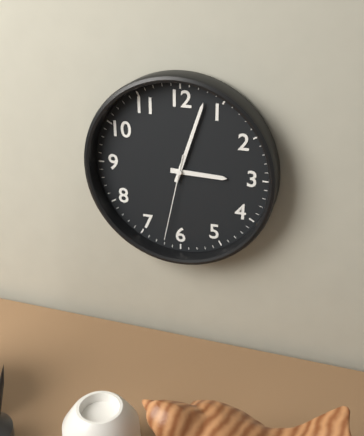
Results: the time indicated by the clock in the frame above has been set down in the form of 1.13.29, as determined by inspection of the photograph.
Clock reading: 3.03.32
